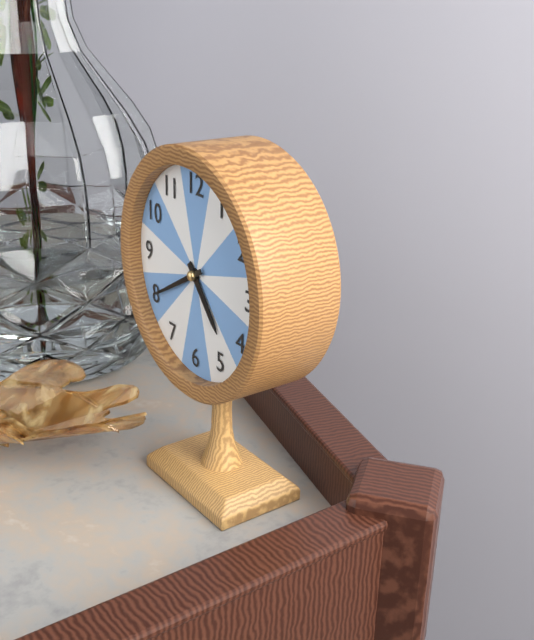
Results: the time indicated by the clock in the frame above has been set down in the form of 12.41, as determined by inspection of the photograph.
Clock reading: 4.40
